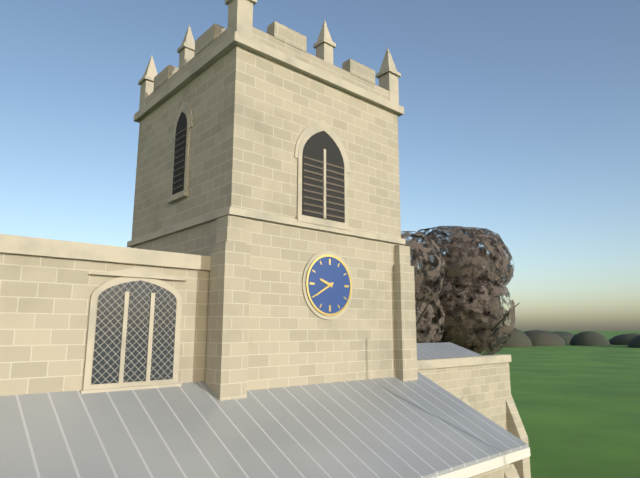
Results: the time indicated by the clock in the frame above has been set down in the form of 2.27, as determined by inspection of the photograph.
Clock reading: 9.40
